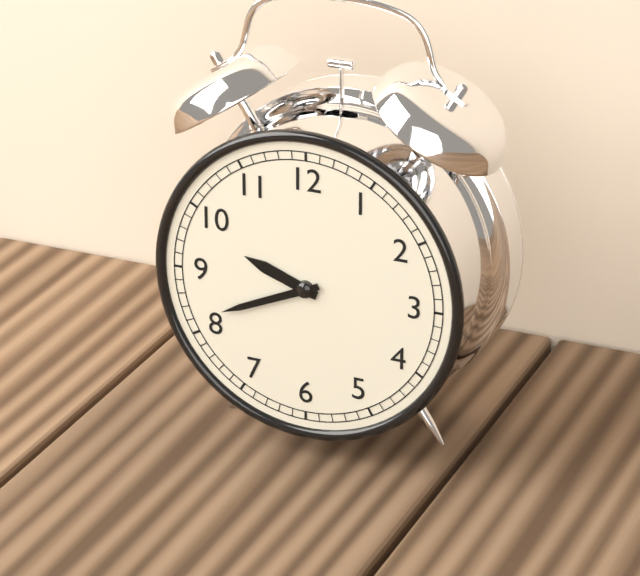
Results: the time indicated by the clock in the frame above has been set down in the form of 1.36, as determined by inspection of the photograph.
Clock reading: 9.41
